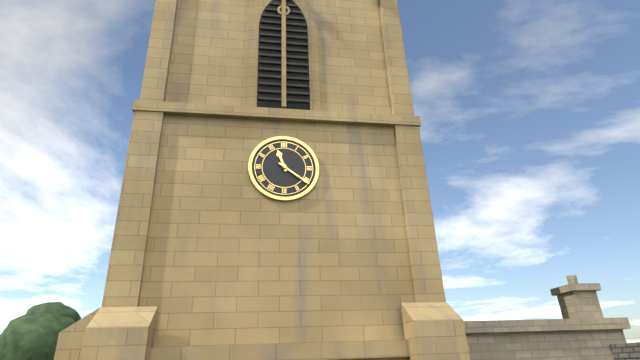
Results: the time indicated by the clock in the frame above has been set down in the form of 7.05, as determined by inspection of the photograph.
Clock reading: 11.21
